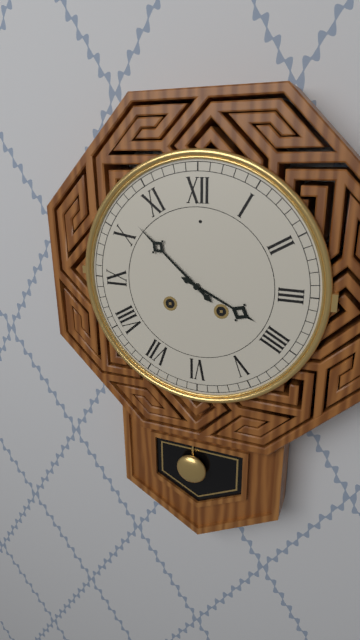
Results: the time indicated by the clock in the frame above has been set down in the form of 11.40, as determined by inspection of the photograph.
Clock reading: 3.52
